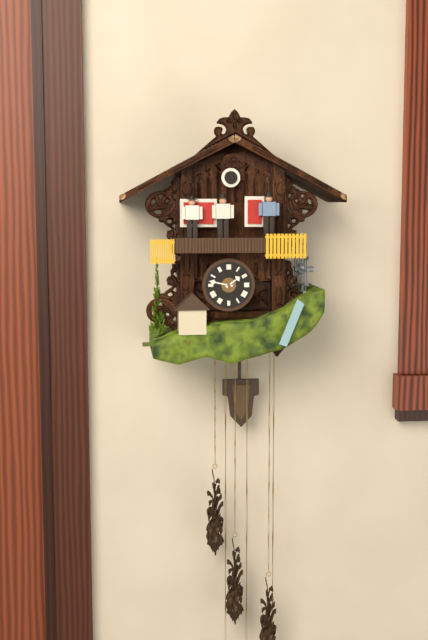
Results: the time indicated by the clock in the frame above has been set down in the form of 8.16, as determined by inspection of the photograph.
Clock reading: 1.47
